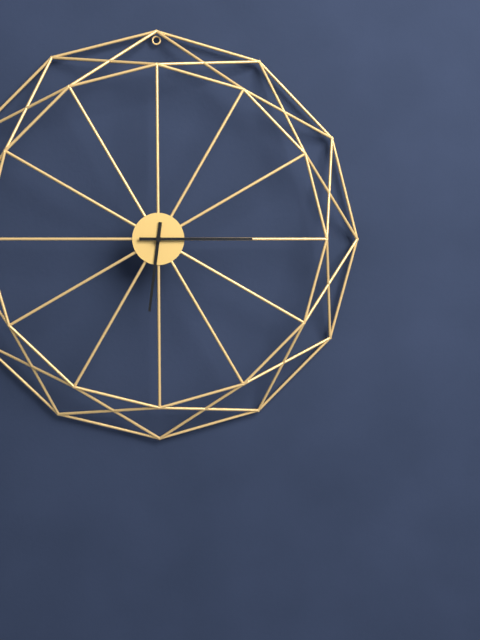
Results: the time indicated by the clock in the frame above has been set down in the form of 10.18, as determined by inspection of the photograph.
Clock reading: 6.15
